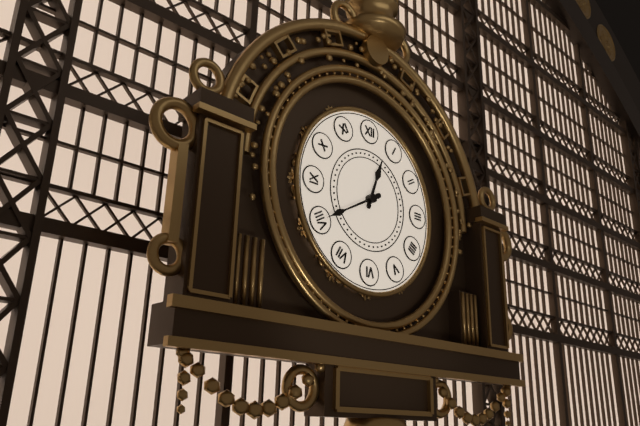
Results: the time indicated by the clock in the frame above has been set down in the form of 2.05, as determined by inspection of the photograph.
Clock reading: 12.40
